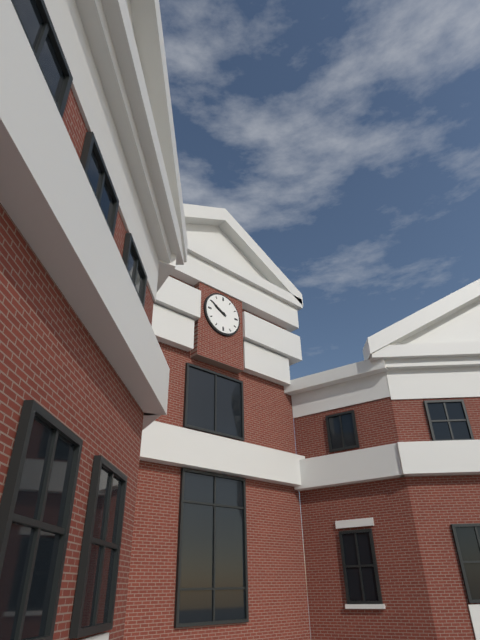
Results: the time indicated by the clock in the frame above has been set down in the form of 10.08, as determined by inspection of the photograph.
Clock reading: 9.50
